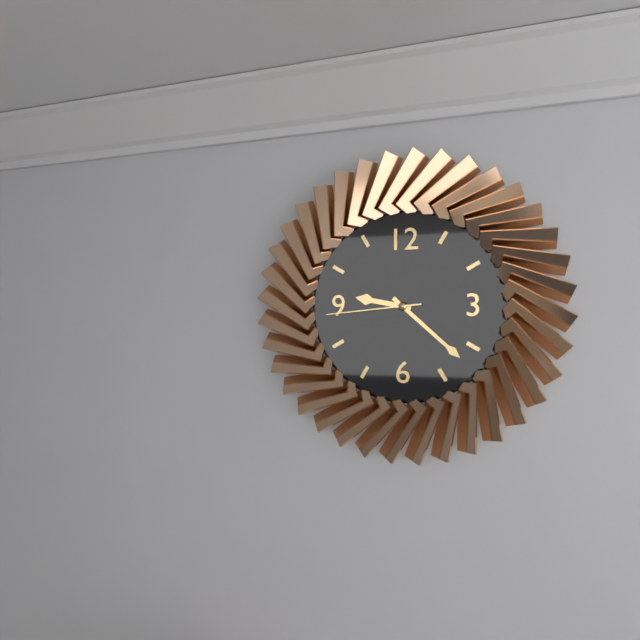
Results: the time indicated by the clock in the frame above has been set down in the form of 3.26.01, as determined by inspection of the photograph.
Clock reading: 9.22.44
